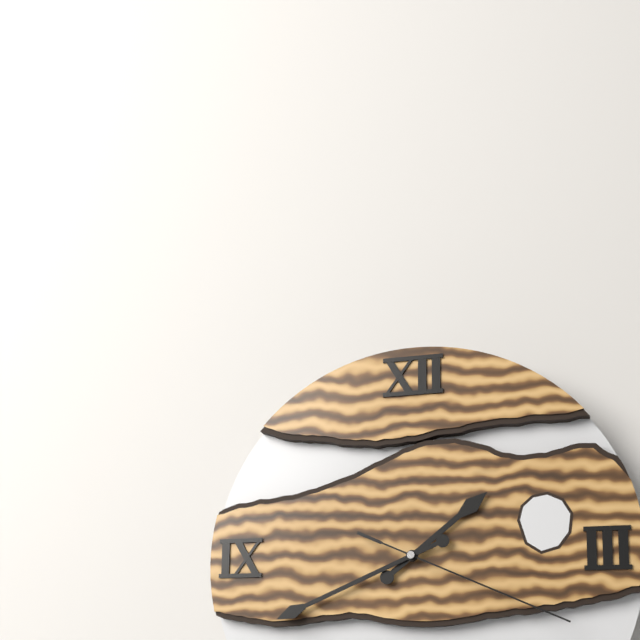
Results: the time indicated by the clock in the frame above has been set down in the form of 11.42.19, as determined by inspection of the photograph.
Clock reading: 1.41.19
